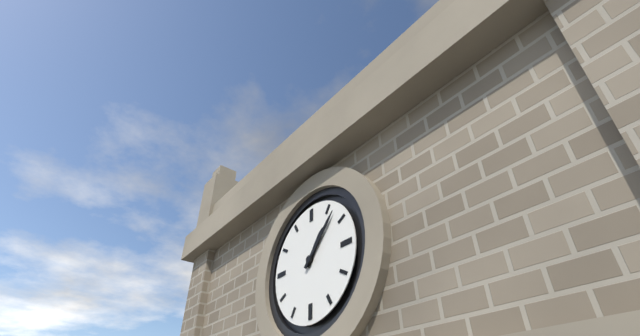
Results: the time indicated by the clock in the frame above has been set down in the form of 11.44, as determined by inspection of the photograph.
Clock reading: 1.07
